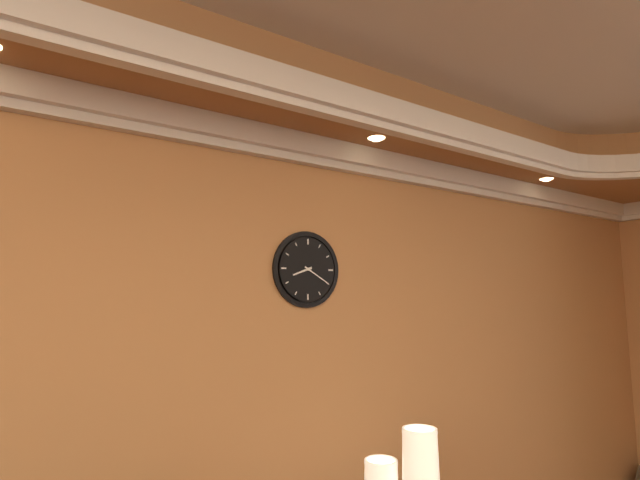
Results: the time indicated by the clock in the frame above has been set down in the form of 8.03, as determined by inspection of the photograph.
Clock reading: 8.20
